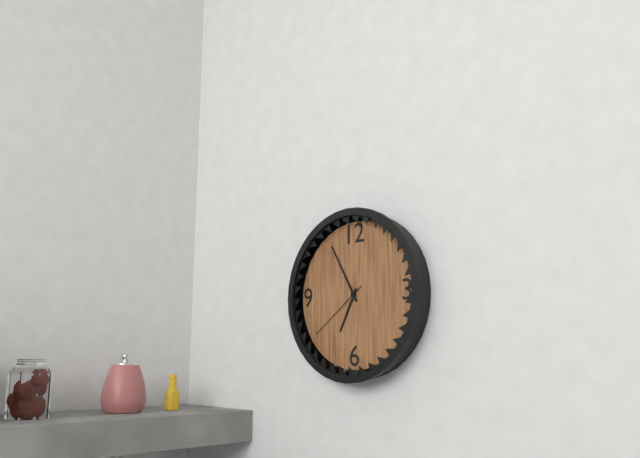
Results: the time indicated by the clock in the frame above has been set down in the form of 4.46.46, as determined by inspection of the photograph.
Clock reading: 6.55.39
